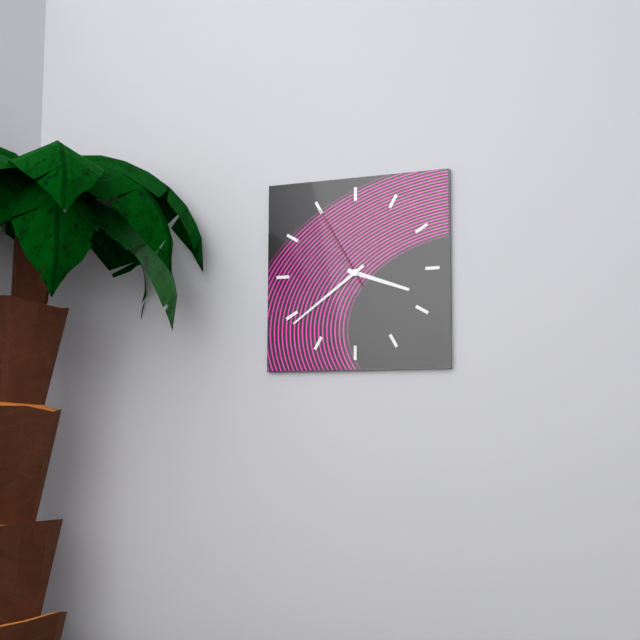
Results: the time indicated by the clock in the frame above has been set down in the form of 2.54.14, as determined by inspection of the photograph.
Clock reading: 3.39.55
